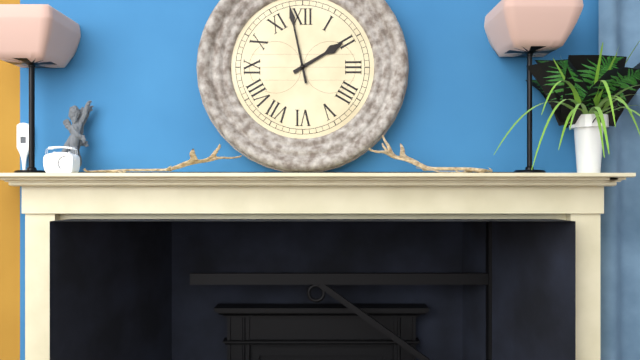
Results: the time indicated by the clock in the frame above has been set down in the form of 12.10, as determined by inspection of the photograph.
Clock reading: 1.58
